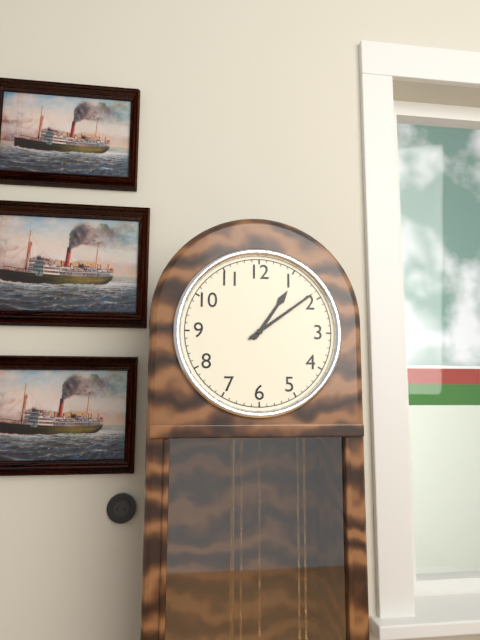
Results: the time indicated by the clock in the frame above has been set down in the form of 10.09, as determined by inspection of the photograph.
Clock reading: 1.09
